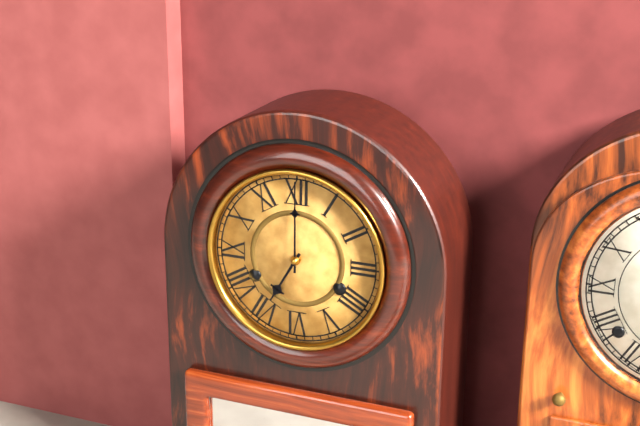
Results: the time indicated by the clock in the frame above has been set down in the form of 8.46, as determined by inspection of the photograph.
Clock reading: 7.00
